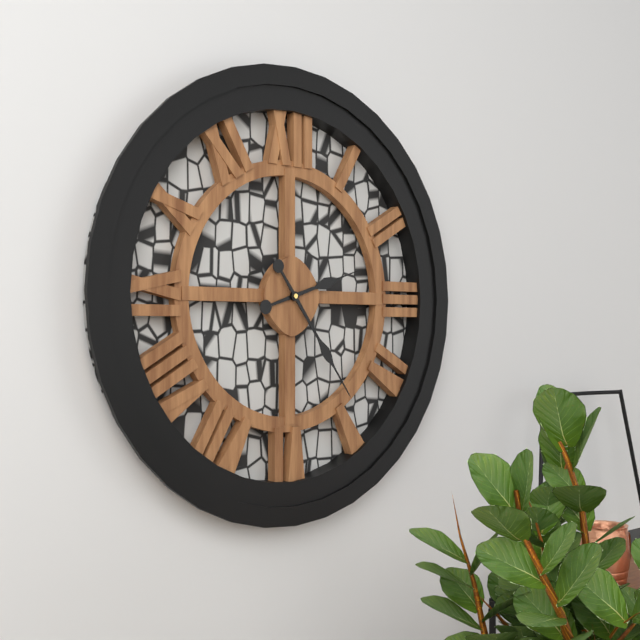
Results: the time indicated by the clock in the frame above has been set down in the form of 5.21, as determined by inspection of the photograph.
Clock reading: 2.24
